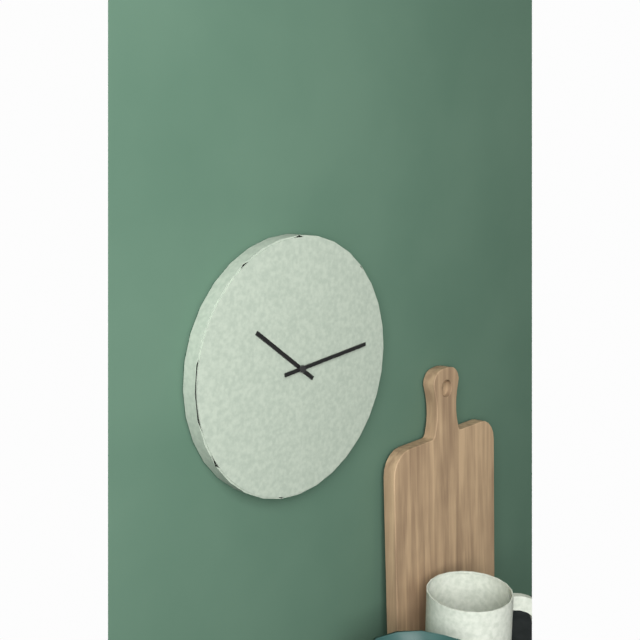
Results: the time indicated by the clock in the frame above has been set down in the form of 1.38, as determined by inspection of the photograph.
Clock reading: 10.14
